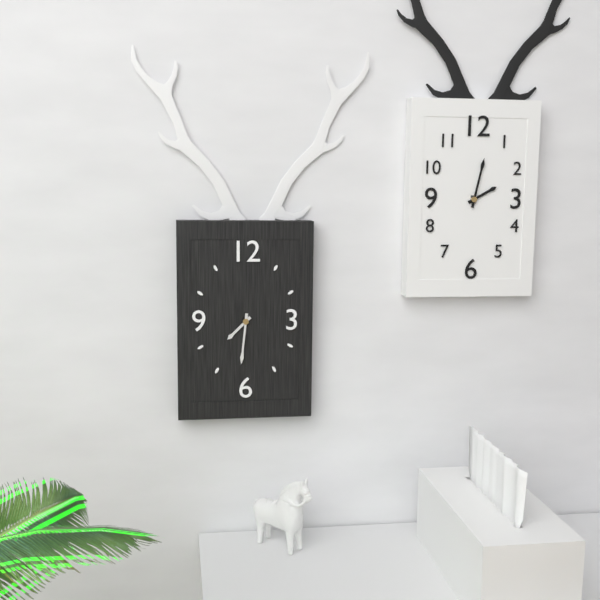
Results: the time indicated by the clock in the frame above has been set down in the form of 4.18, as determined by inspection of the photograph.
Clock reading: 7.31
